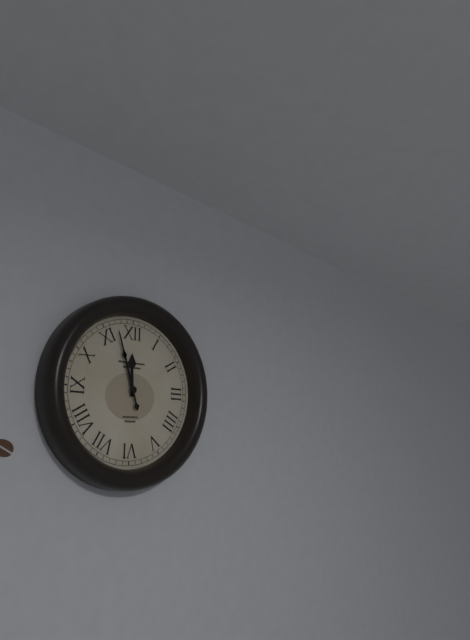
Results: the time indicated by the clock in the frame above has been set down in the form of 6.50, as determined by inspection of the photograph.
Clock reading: 11.57
